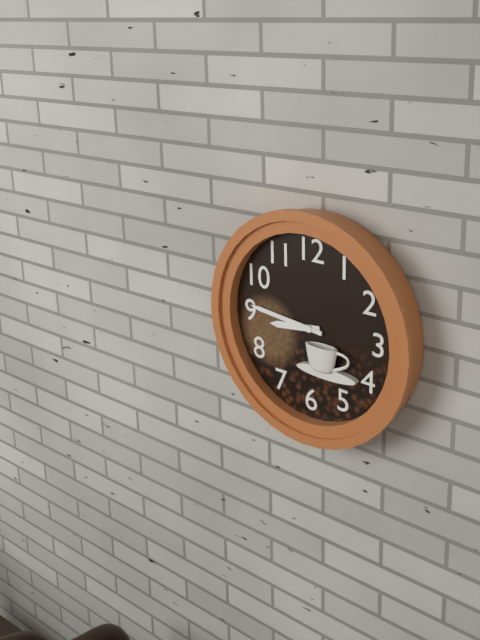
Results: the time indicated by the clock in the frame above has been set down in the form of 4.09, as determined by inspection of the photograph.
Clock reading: 8.46
